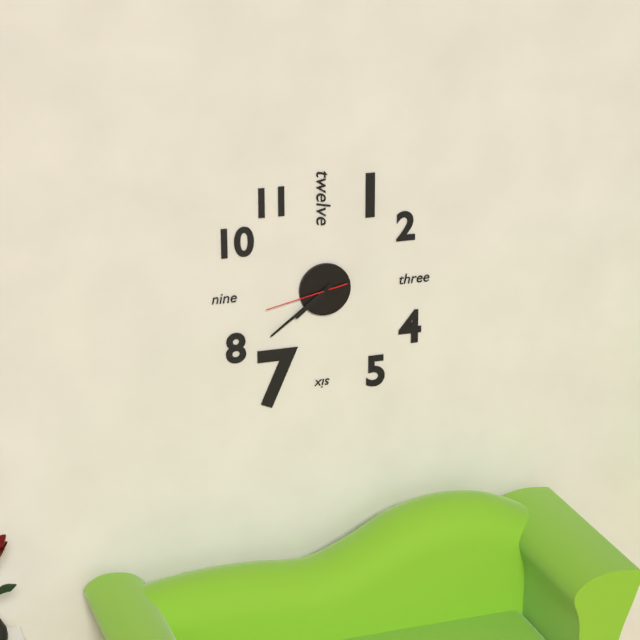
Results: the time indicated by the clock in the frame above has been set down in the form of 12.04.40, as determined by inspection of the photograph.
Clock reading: 7.39.43
